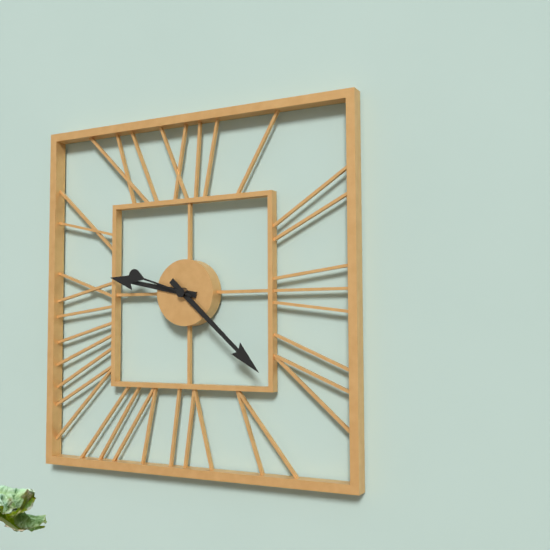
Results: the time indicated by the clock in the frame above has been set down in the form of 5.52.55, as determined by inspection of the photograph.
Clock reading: 9.22.48
